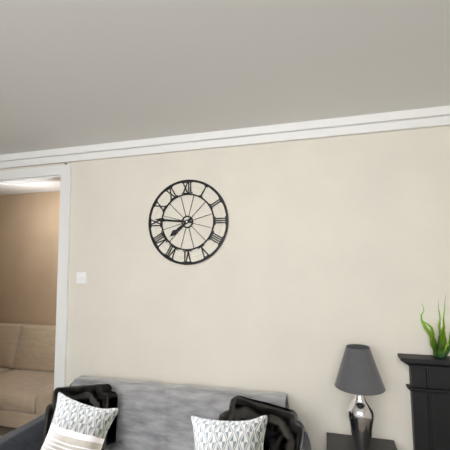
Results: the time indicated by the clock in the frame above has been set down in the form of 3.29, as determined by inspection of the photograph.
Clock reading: 7.46
